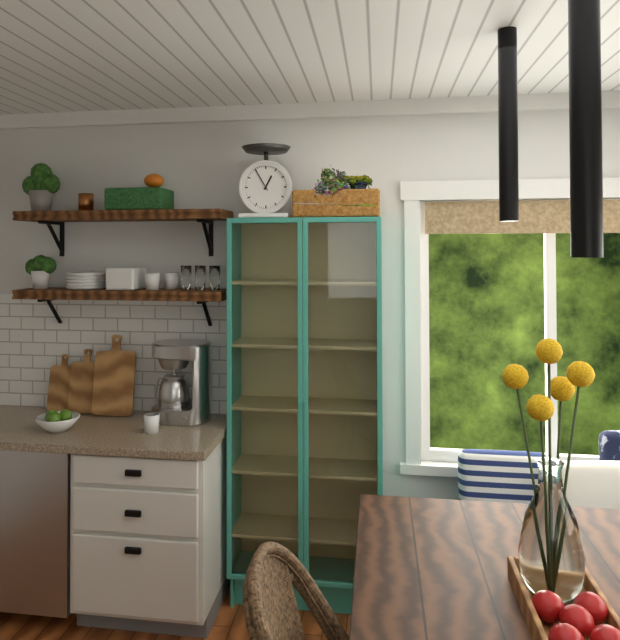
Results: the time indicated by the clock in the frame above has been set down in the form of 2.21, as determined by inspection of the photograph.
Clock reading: 12.55
